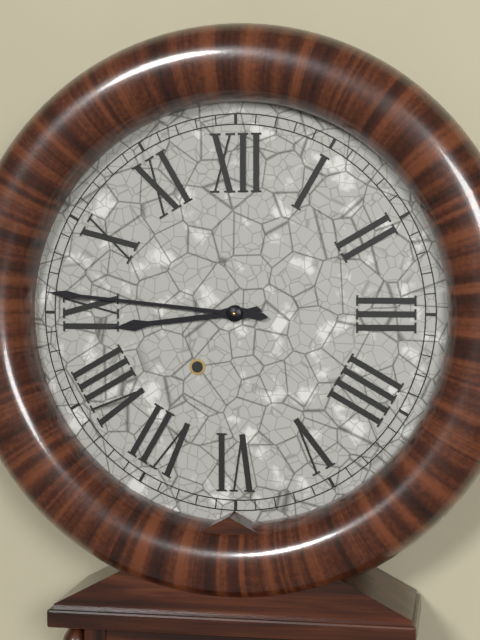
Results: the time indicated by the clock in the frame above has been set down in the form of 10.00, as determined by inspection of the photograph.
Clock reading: 8.46
